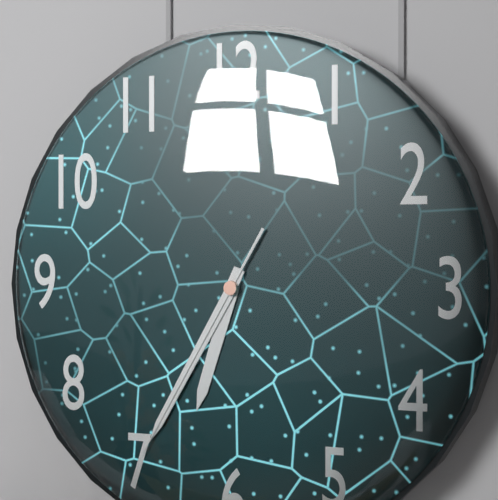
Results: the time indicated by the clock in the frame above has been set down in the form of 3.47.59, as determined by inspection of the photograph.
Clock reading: 6.35.35
